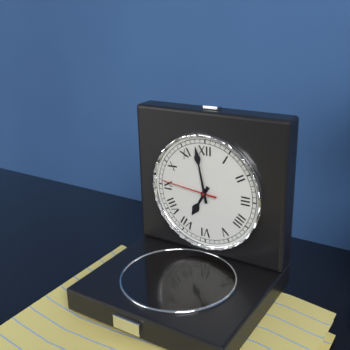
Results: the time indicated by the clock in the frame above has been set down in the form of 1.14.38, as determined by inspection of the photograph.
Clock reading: 6.58.46
